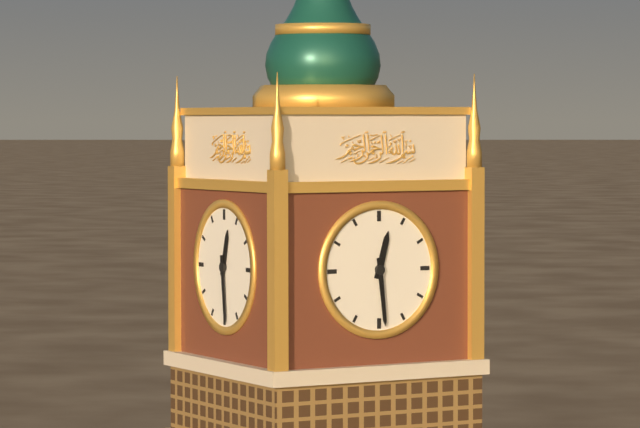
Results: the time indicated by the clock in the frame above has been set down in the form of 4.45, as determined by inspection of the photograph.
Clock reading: 12.29
